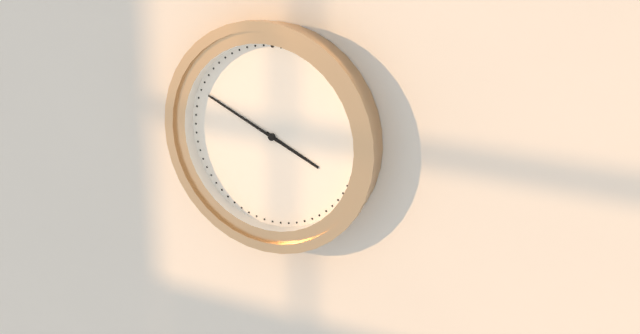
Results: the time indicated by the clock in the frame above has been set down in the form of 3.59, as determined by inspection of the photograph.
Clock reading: 3.49
